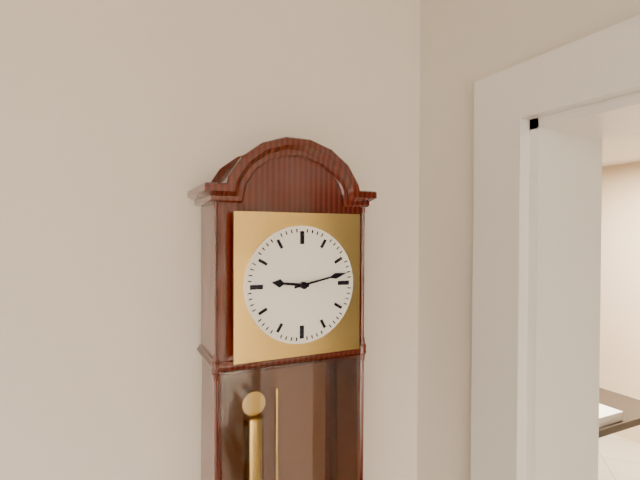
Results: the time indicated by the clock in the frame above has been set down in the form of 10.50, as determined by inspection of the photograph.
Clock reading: 9.13
